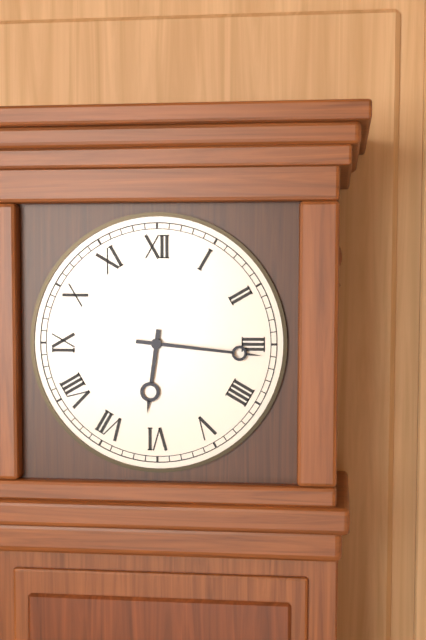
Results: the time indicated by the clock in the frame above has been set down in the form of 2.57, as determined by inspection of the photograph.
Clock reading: 6.16
